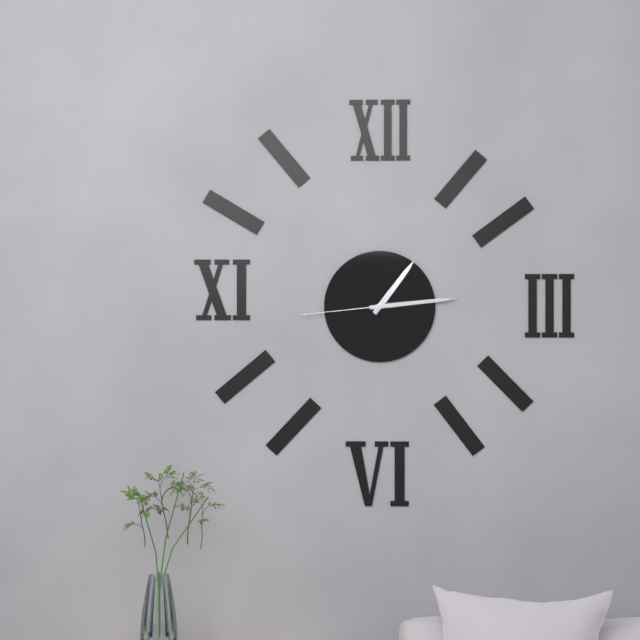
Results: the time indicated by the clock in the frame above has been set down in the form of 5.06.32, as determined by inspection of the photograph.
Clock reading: 1.14.44
